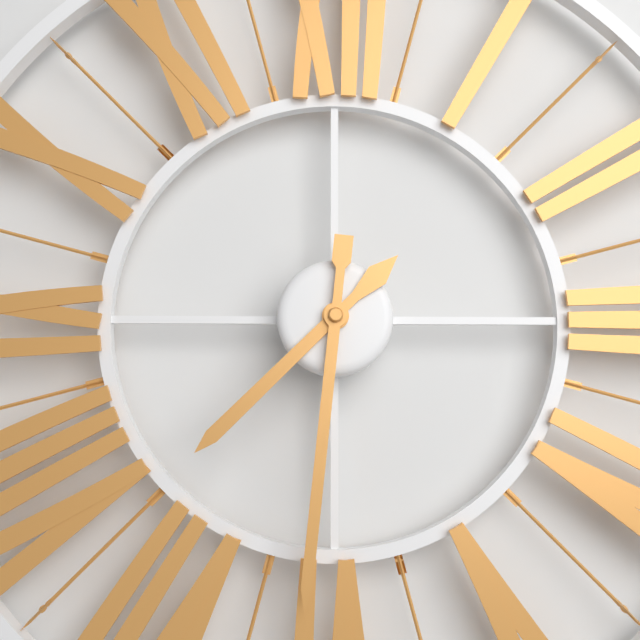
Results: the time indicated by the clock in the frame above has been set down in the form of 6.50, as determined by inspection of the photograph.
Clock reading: 7.31
